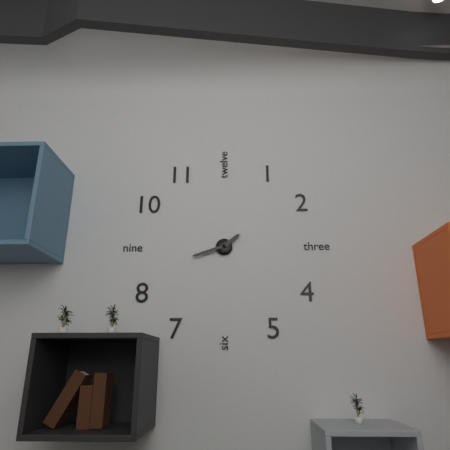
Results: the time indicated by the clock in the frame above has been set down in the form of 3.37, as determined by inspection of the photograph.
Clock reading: 1.42
